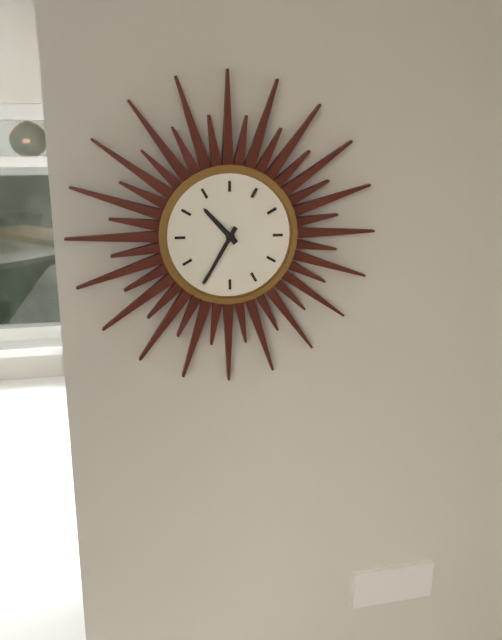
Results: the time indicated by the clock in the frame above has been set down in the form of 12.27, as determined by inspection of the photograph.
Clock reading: 10.35
